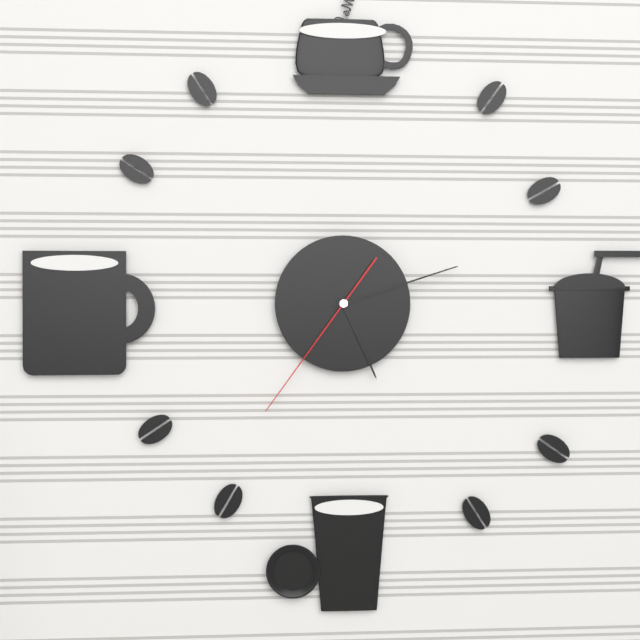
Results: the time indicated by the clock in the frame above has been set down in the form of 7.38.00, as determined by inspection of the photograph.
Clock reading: 5.12.36
